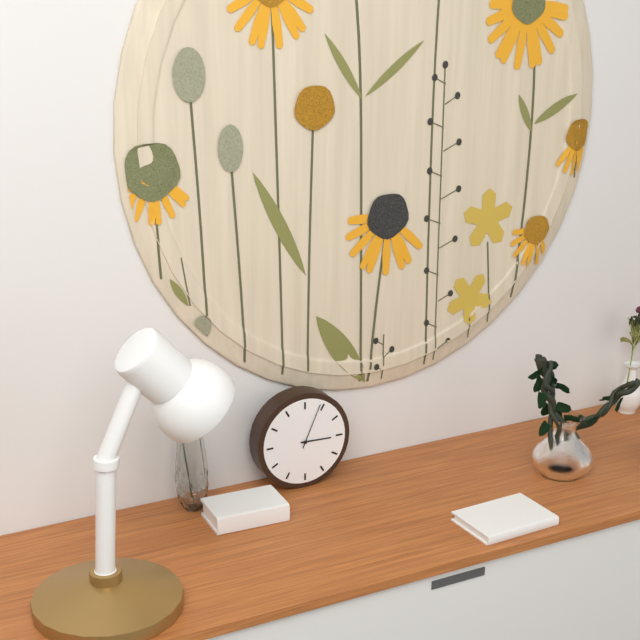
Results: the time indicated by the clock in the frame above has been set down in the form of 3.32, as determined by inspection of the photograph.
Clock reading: 3.04
